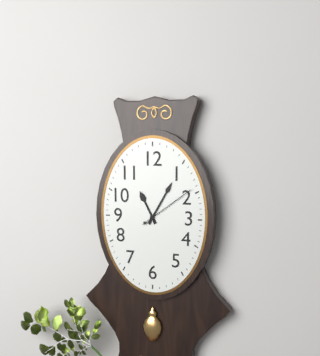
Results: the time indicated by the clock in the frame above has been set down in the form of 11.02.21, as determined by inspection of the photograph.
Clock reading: 11.05.09
